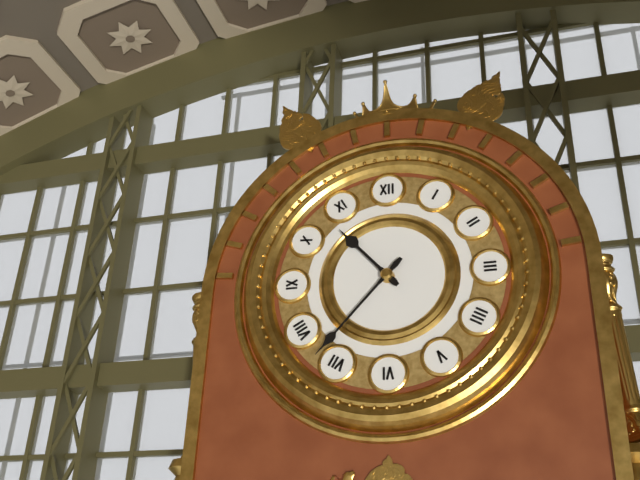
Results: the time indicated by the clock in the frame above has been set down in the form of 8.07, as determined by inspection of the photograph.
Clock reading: 10.37
